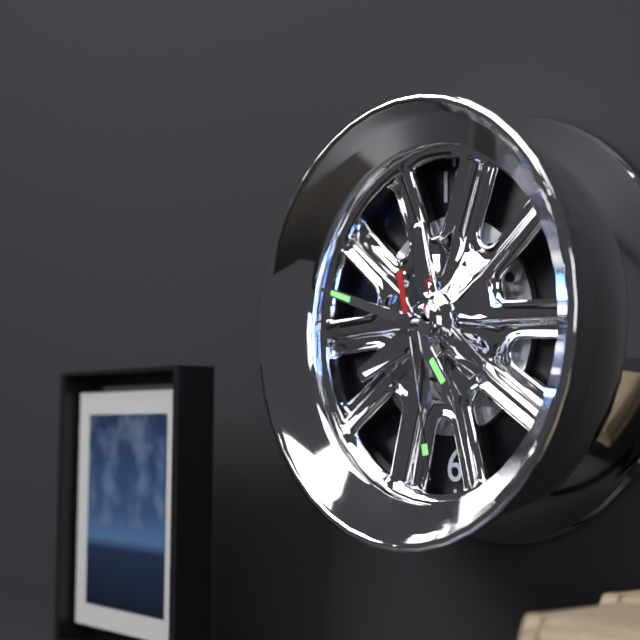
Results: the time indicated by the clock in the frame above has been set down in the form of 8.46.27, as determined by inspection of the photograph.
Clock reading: 4.48.28
